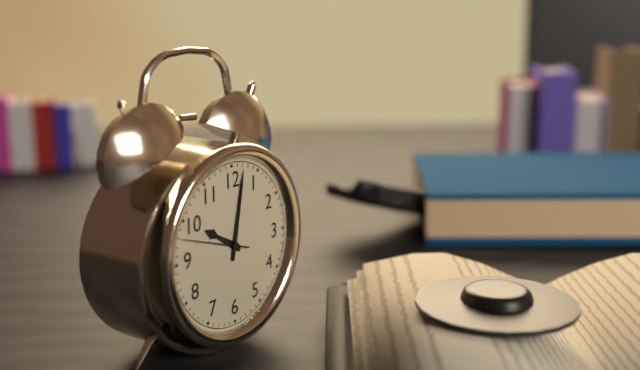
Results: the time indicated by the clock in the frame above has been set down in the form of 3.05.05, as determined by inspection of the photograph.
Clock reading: 10.02.48
